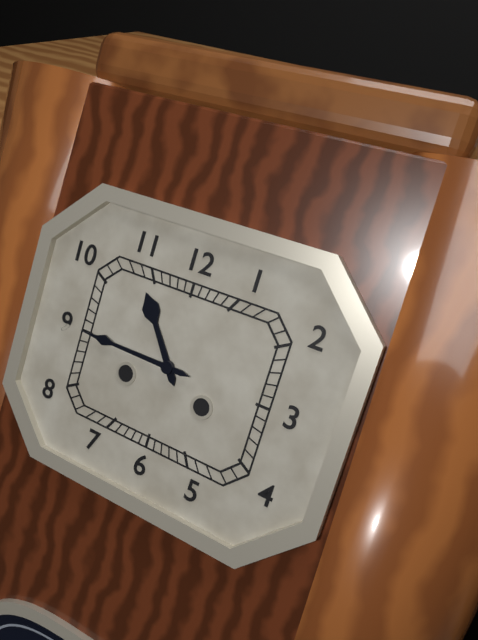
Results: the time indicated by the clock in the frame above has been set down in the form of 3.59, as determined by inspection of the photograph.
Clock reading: 10.45
